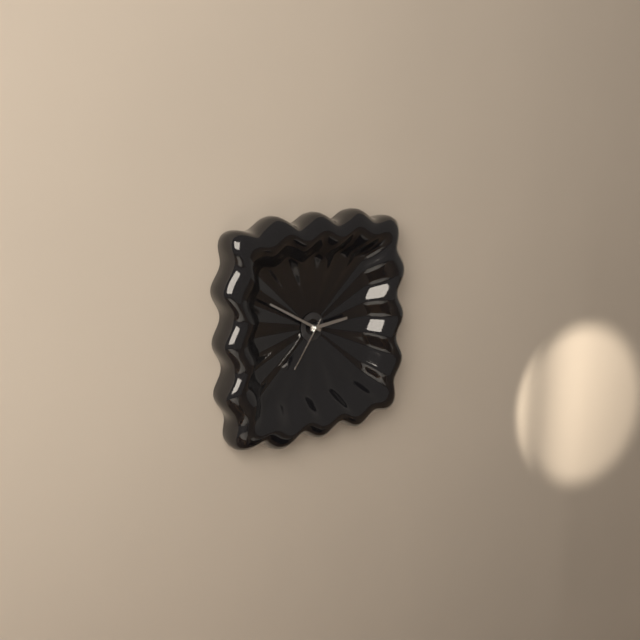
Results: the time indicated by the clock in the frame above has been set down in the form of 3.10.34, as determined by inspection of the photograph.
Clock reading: 2.50.36
